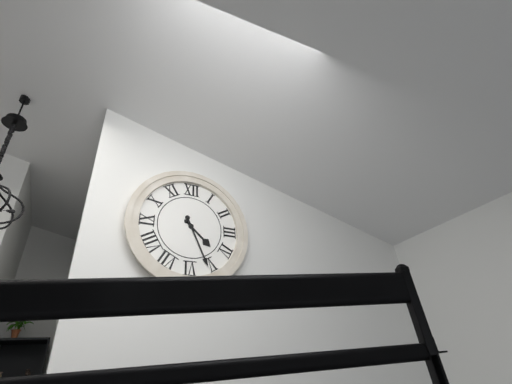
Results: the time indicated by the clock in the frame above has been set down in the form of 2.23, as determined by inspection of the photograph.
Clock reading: 4.26
